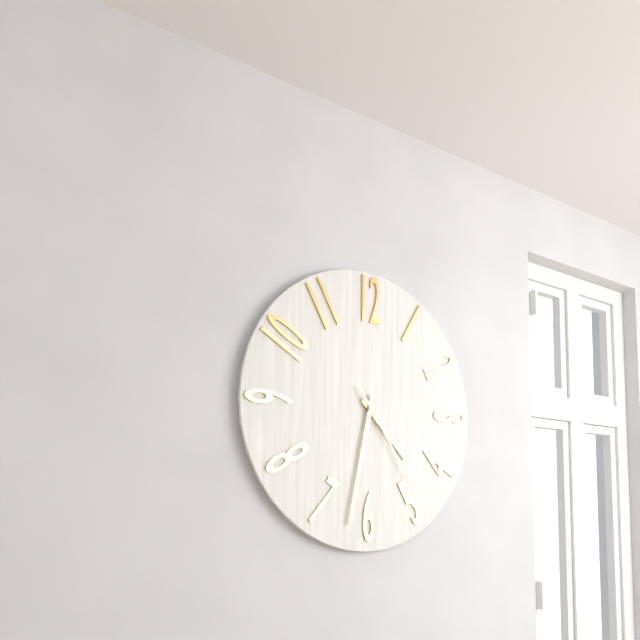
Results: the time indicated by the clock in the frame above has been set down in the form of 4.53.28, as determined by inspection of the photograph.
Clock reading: 4.32.24
